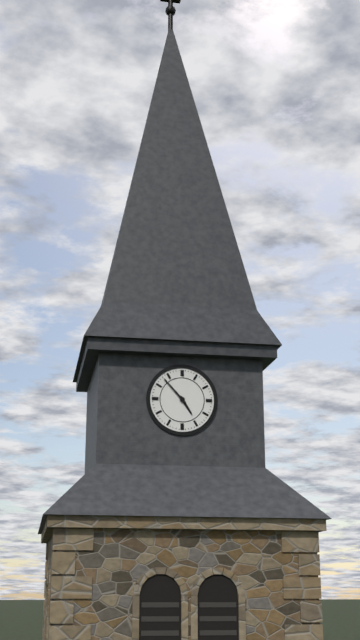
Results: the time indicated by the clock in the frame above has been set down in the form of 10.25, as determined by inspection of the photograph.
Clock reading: 4.53
